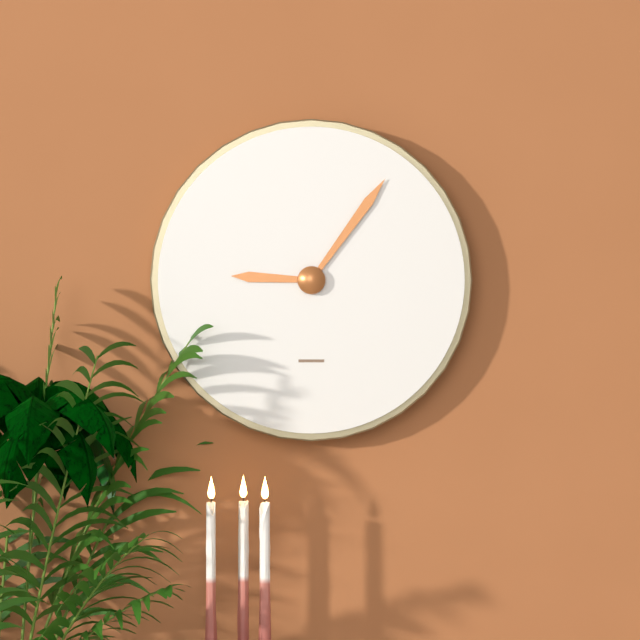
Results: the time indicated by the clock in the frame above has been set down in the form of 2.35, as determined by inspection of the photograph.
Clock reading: 9.06
